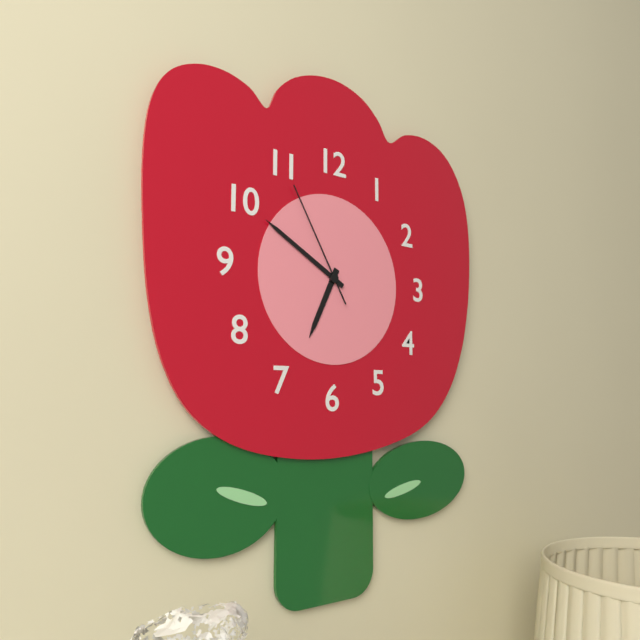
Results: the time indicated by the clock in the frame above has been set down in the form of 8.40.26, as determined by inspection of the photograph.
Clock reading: 6.50.55
